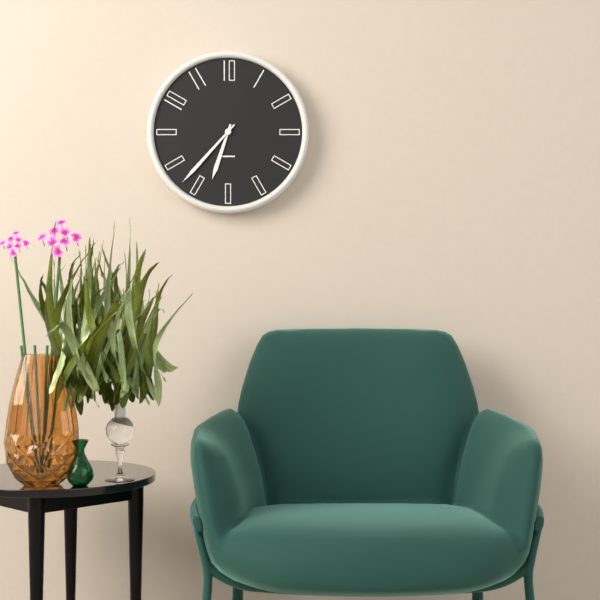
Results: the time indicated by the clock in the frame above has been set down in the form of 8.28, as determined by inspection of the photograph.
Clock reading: 6.37
